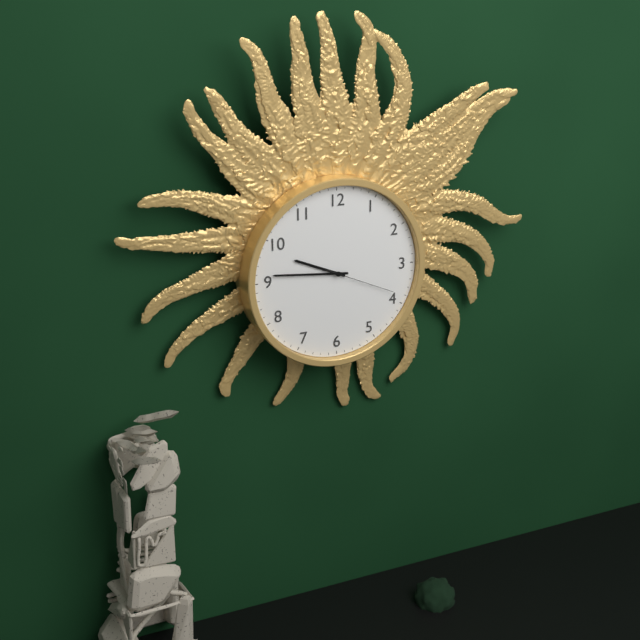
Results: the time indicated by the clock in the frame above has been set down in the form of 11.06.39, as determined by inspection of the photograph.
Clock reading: 9.46.19
